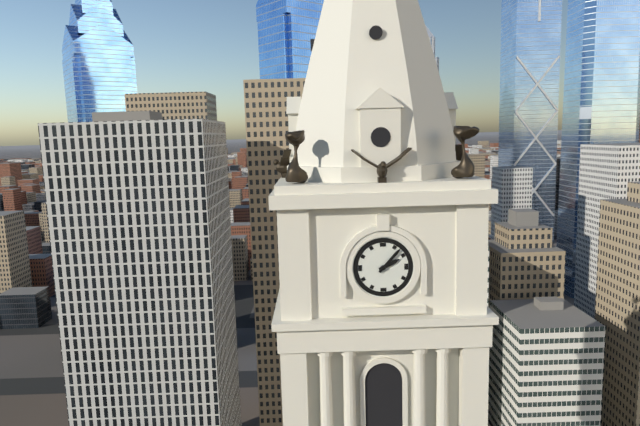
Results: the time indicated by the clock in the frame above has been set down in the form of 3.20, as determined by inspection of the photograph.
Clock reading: 2.07
